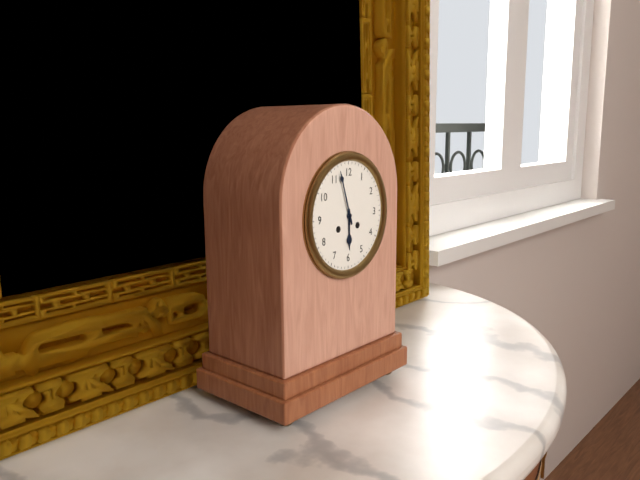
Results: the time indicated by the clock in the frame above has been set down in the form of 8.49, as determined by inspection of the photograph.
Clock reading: 5.57
